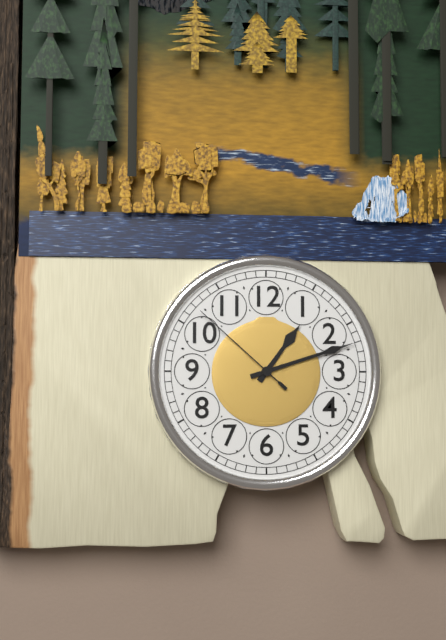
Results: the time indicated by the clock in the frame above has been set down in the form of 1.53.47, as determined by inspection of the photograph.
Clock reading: 1.12.52
